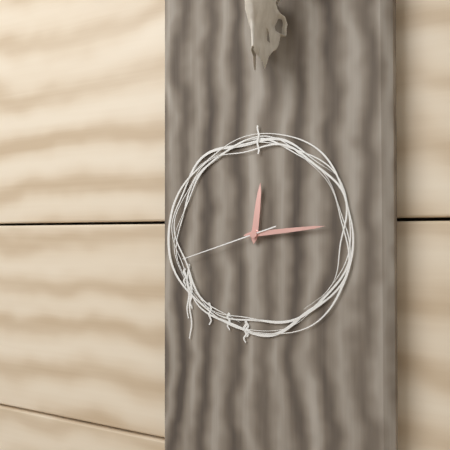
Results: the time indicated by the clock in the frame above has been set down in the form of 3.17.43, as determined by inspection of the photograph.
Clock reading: 12.14.42
